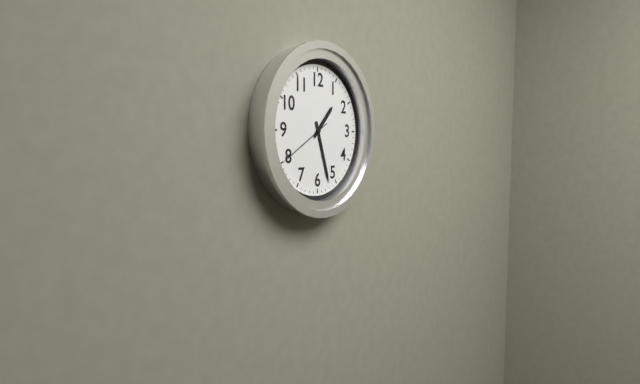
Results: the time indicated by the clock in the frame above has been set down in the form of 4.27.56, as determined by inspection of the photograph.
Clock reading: 1.27.40
